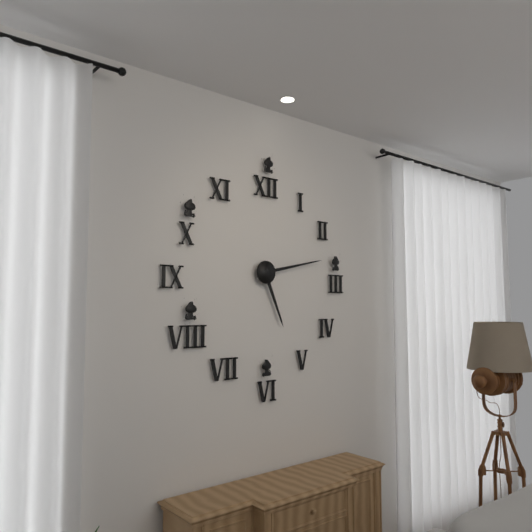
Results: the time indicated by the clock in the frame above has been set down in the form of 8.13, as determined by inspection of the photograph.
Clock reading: 5.13
